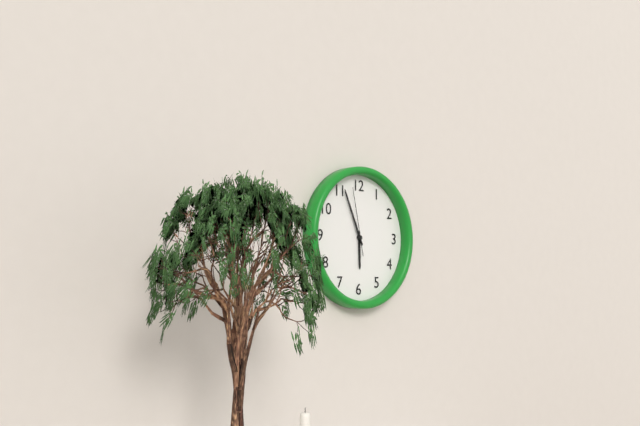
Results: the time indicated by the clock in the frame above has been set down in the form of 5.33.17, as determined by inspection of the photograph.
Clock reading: 5.56.58
